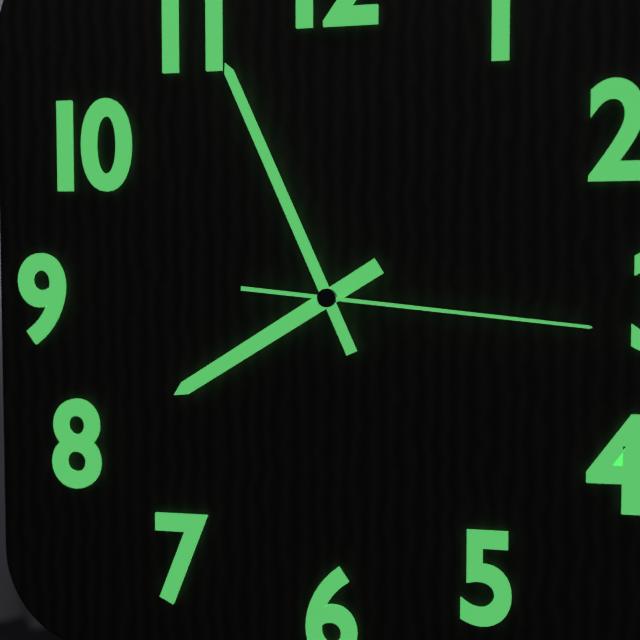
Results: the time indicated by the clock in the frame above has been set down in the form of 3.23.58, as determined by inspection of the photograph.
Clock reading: 7.56.16
